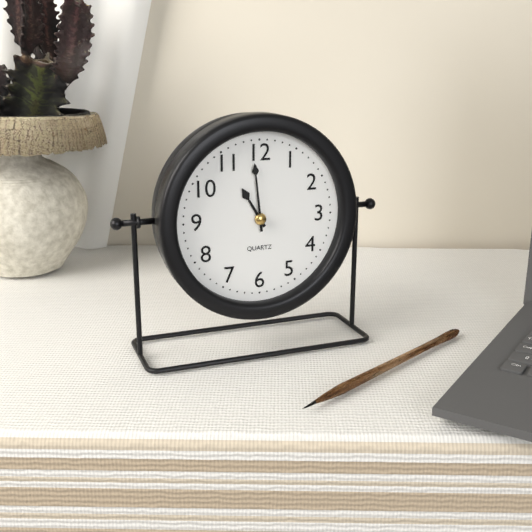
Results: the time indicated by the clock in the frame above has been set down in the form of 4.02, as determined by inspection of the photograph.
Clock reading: 10.59
